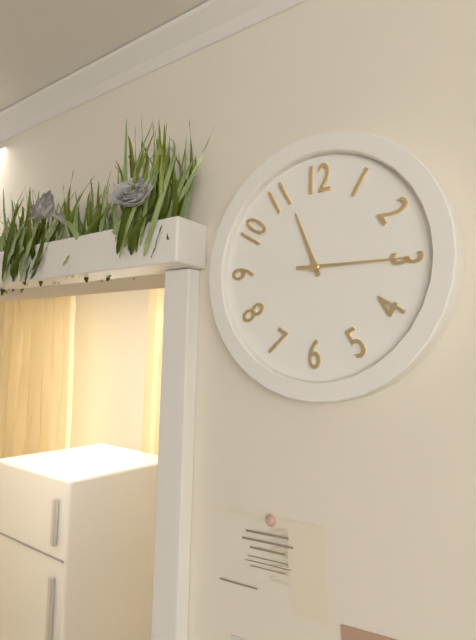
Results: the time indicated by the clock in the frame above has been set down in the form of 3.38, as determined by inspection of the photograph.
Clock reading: 11.15
